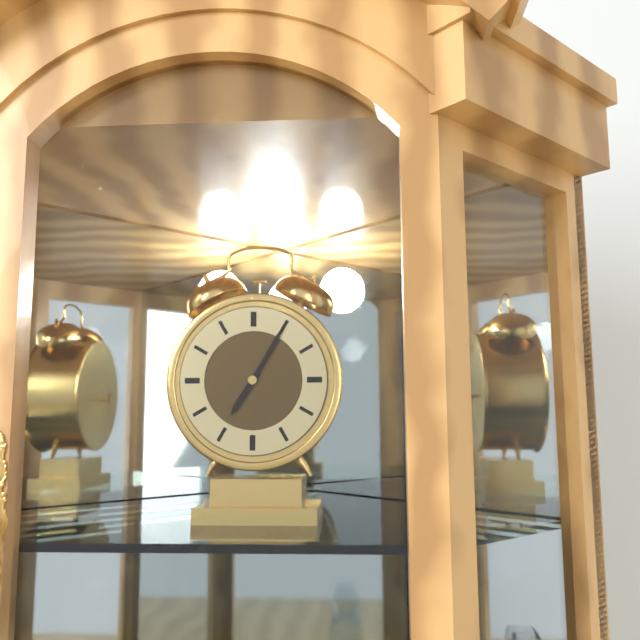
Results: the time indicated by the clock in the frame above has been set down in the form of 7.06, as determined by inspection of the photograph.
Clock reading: 7.05
